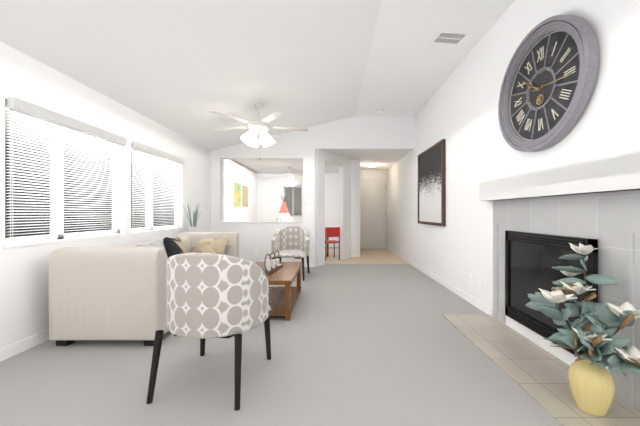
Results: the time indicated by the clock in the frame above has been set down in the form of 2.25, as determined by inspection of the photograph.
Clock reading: 10.16
